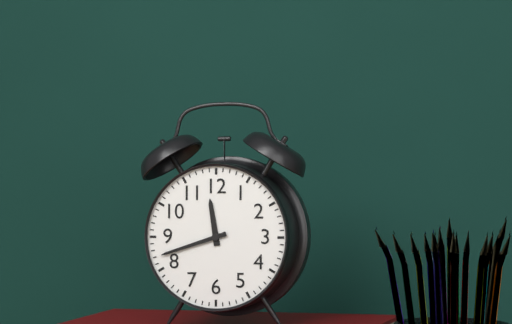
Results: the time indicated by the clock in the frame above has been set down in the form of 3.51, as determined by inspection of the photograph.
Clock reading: 11.42
